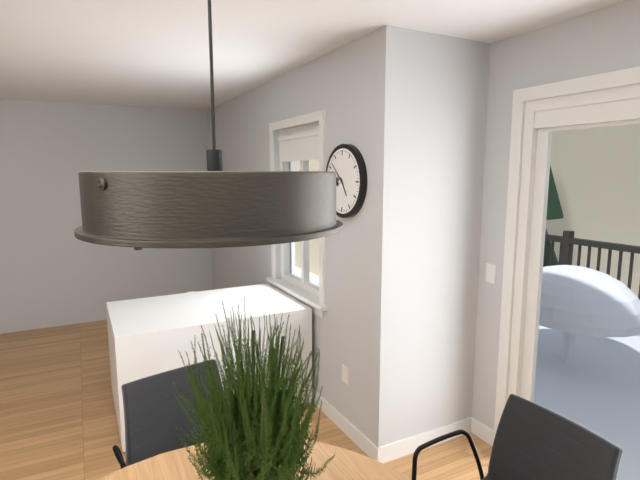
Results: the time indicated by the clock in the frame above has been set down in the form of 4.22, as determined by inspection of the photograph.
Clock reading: 4.52
